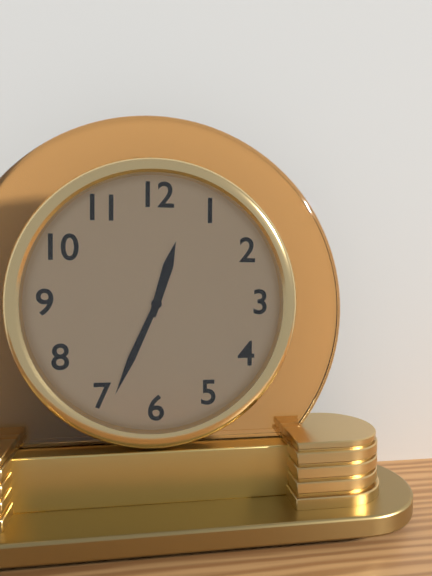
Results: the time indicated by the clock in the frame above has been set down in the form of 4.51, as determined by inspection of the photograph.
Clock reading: 12.34
